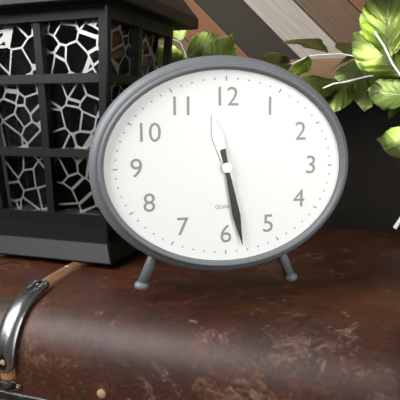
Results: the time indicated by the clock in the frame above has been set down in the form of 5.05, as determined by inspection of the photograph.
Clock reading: 11.28
